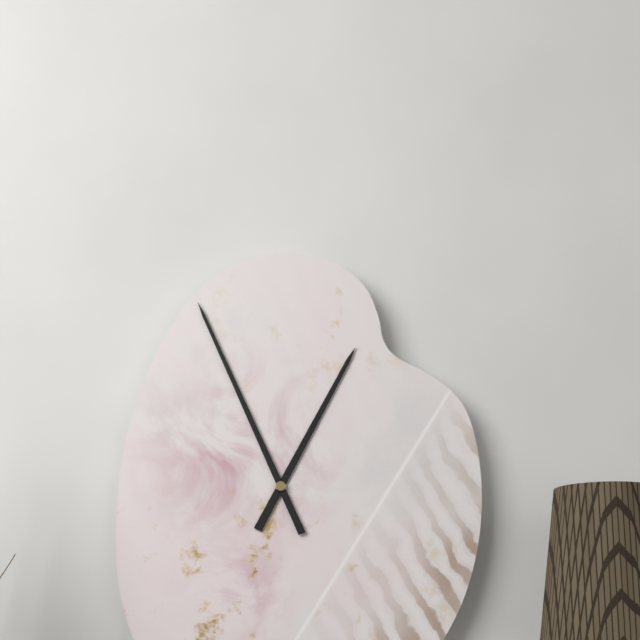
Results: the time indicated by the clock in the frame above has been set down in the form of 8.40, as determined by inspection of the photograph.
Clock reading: 12.56
